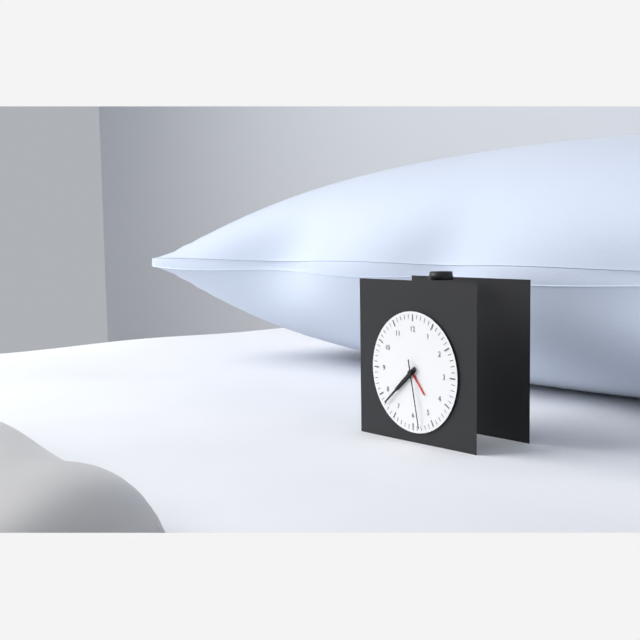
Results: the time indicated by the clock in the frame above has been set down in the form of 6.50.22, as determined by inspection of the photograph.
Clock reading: 7.38.28
